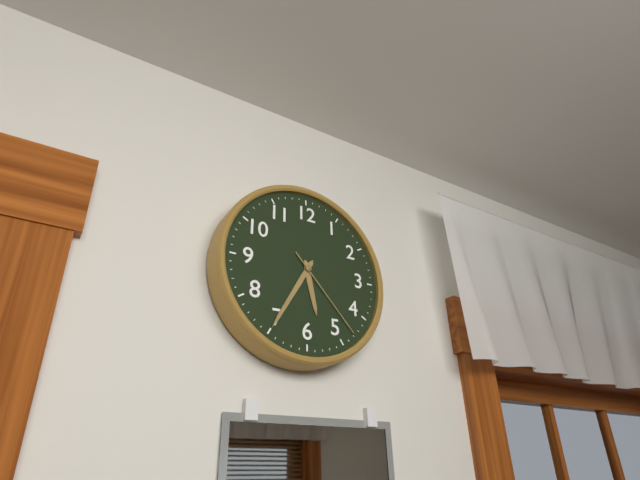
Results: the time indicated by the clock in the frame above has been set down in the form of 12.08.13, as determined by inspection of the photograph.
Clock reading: 5.35.23
